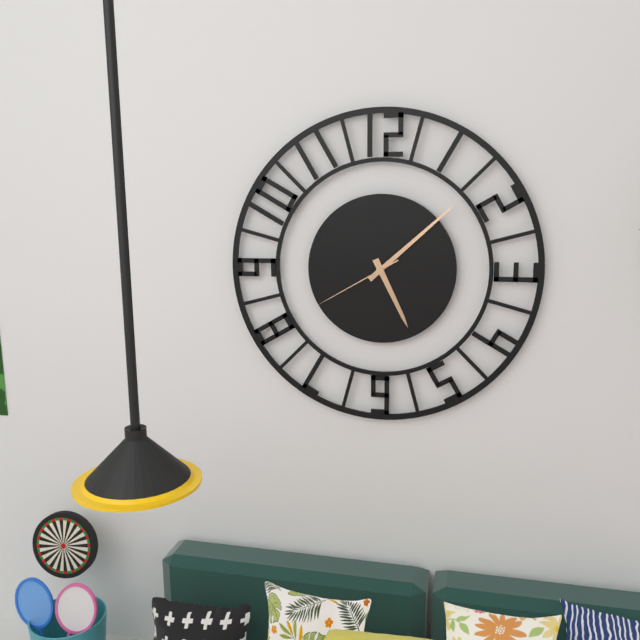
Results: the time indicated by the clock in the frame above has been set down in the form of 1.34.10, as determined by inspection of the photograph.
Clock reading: 5.08.40
